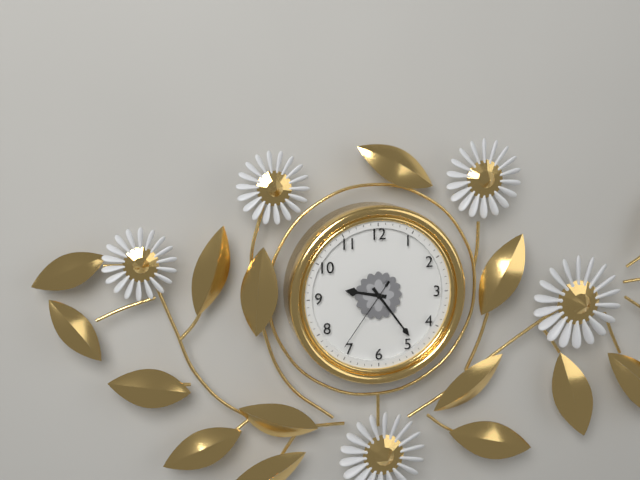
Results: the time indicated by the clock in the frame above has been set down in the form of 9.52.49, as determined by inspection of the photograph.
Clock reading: 9.24.36
